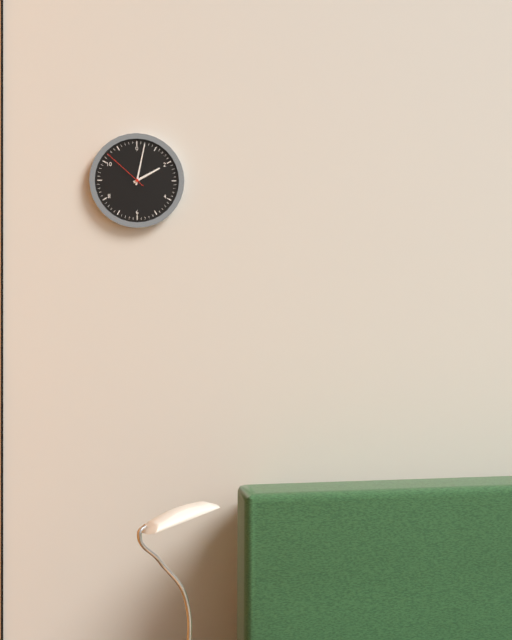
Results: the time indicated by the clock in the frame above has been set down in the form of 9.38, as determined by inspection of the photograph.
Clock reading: 2.02
